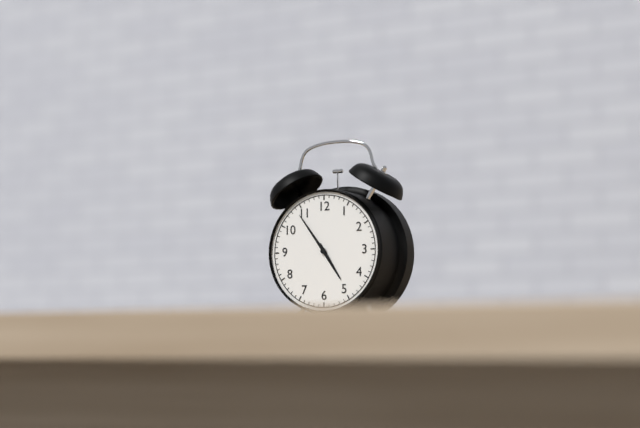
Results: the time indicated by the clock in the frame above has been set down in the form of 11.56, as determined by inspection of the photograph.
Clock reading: 4.54
